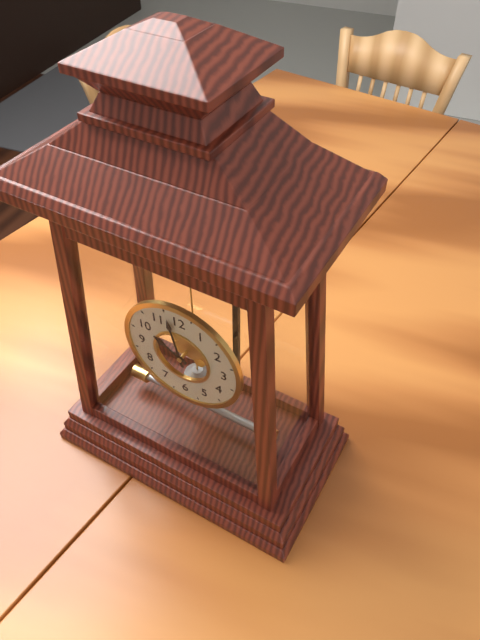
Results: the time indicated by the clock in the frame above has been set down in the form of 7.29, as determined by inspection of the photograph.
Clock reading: 9.58
